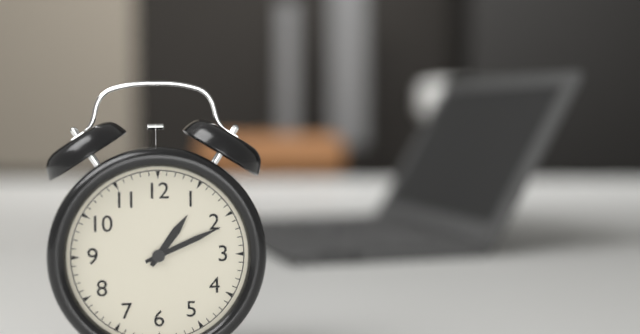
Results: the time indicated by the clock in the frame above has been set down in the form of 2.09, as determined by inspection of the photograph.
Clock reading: 1.11
